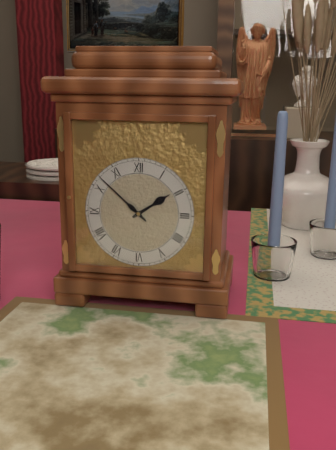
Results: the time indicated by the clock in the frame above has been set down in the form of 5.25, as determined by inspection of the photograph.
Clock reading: 1.52
